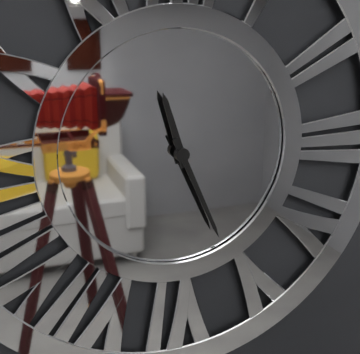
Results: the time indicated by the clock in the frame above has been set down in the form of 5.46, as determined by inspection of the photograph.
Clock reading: 11.26
